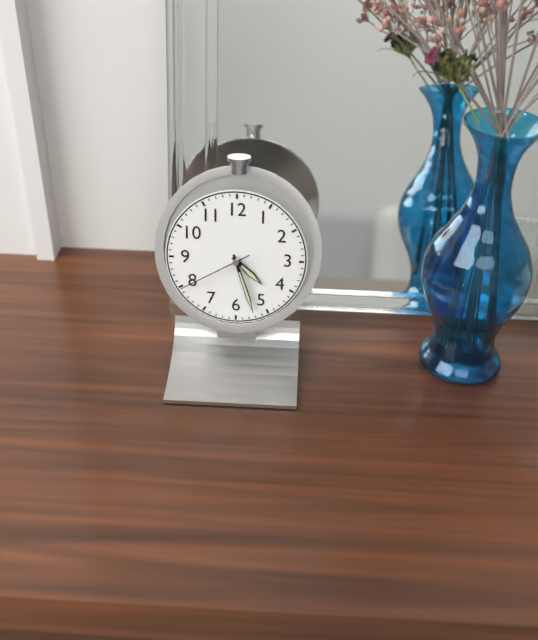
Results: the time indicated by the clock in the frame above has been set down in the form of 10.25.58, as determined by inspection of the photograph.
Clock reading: 4.27.40
